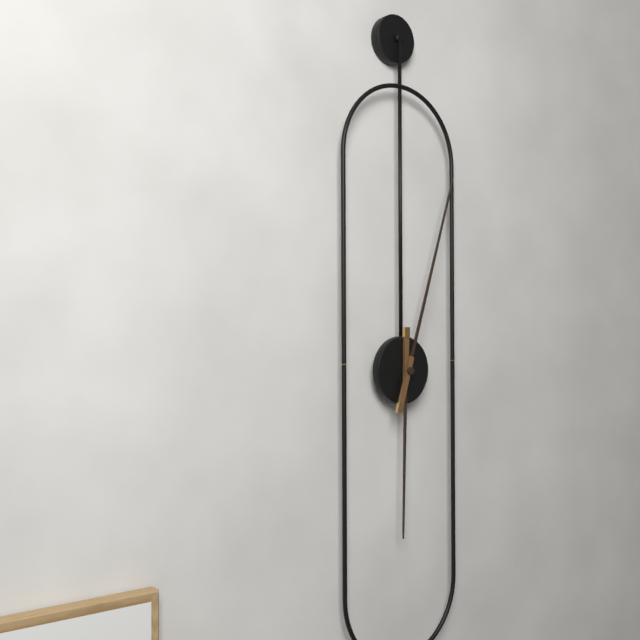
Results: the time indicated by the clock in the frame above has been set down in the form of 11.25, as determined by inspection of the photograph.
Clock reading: 6.03
